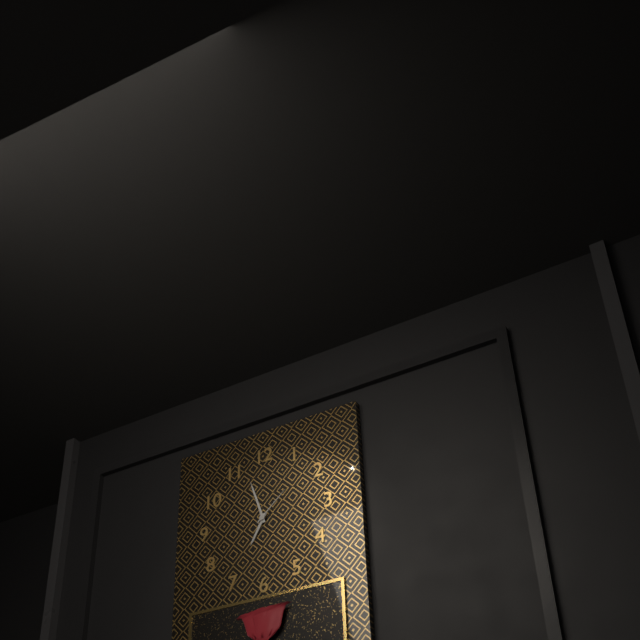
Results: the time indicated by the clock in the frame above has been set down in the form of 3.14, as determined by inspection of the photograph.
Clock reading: 6.57
